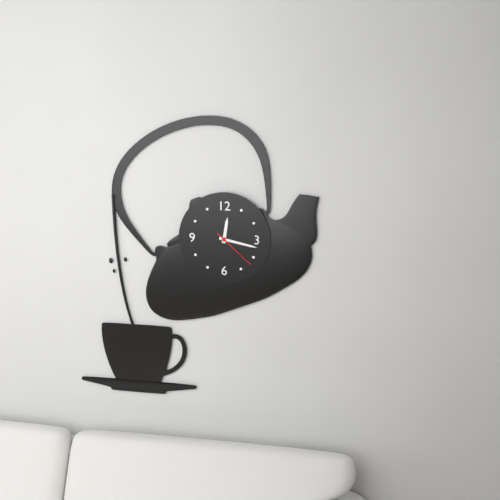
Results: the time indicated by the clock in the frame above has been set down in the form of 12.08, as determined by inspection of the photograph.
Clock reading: 12.17
